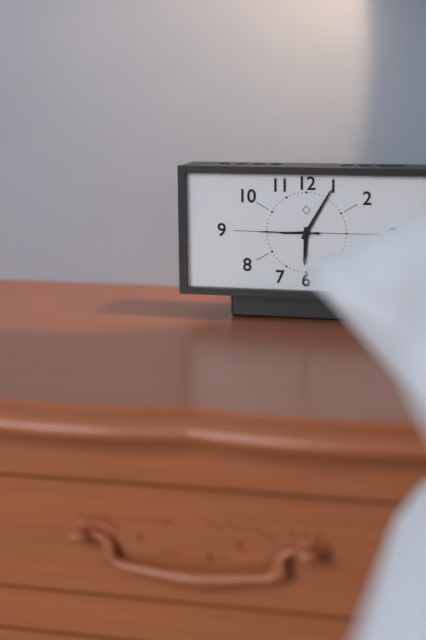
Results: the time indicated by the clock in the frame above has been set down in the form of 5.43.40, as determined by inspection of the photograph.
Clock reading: 6.05.45
